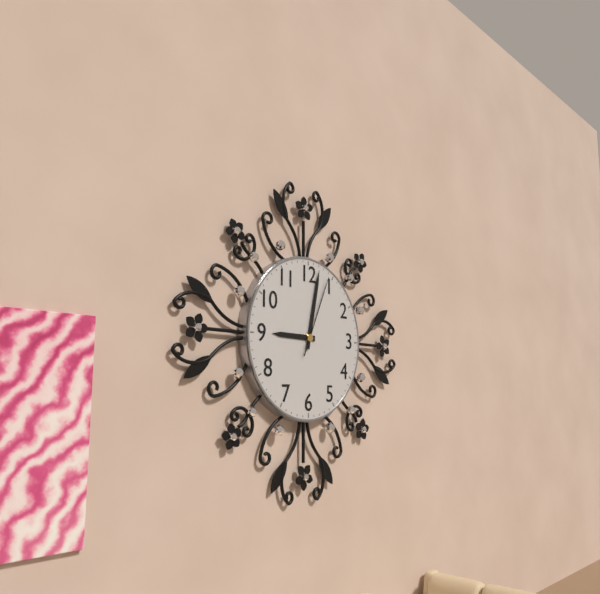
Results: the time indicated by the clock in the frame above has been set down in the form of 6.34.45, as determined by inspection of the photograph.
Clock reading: 9.02.04
